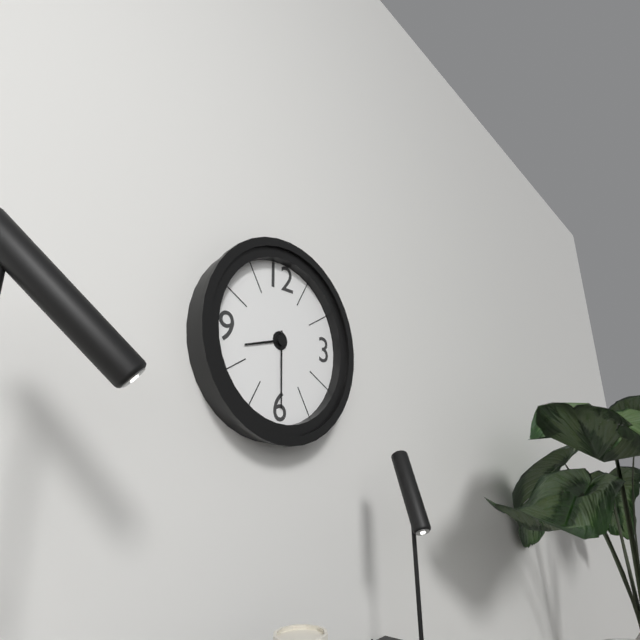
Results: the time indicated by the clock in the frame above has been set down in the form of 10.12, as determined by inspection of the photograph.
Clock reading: 8.30
